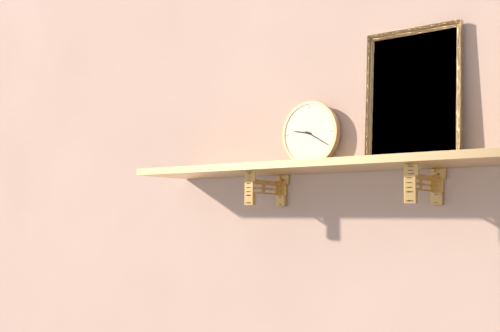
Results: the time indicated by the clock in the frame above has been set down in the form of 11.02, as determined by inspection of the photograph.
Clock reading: 9.20
